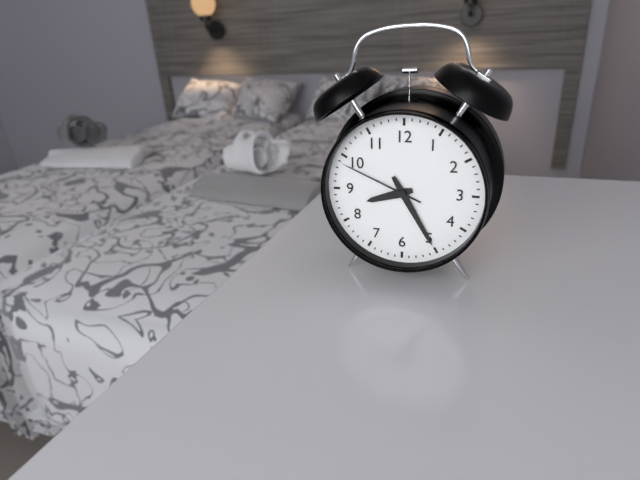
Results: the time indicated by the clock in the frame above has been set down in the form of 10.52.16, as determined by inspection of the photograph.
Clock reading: 8.25.49
